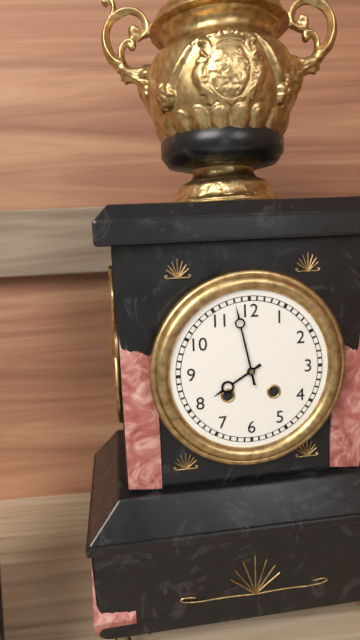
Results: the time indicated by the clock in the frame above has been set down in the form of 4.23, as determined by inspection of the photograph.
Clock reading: 7.58
